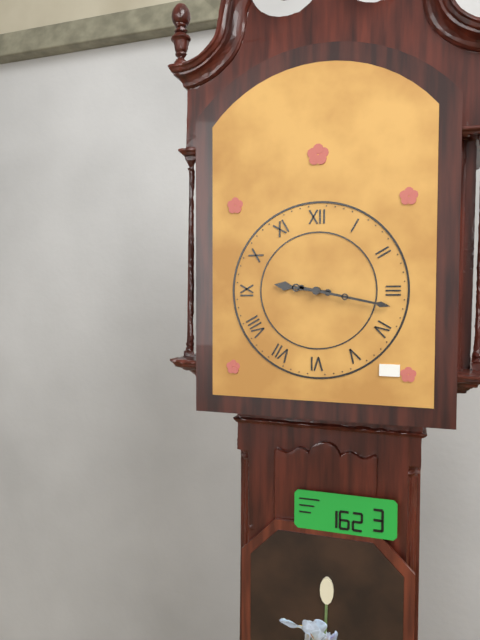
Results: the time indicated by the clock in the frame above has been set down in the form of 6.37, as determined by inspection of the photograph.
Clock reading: 9.17
